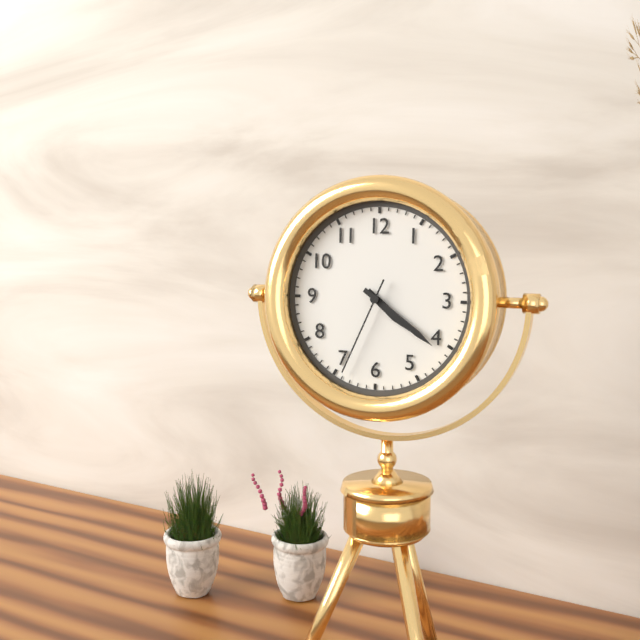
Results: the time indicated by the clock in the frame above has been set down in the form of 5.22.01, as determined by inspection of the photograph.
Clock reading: 4.21.34
